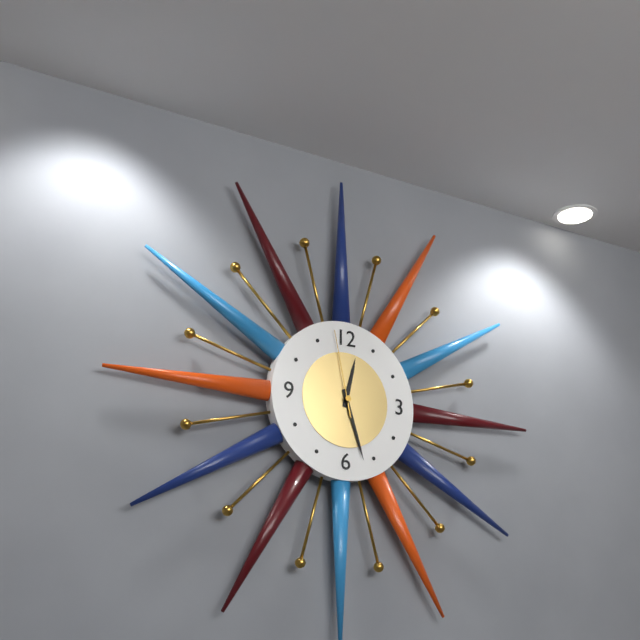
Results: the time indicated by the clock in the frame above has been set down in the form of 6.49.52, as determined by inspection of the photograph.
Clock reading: 12.27.58
